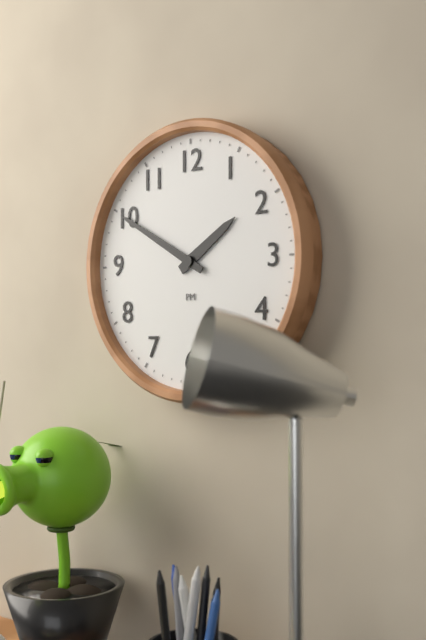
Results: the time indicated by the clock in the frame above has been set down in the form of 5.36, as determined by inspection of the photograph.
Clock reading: 1.50
